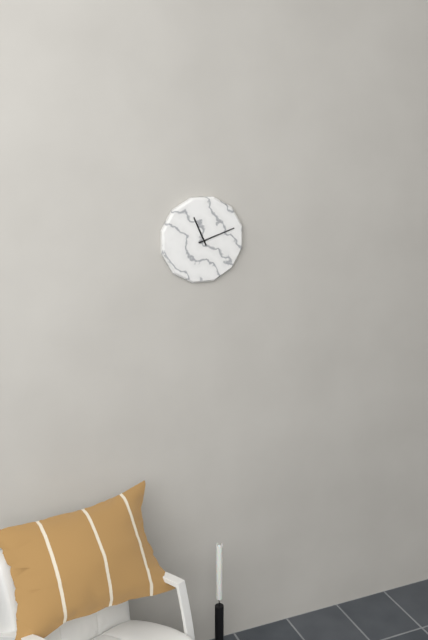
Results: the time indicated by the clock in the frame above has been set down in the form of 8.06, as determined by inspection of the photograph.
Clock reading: 11.12
